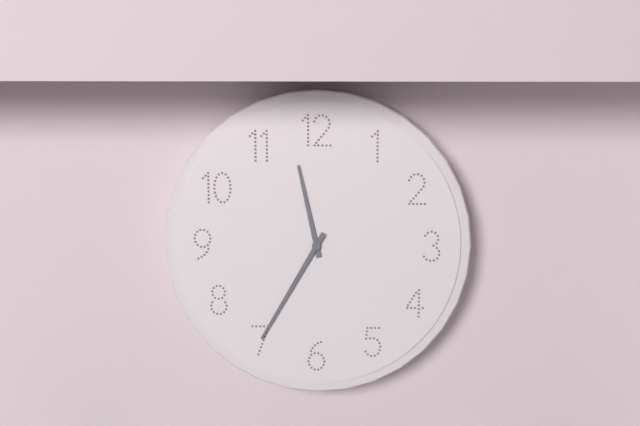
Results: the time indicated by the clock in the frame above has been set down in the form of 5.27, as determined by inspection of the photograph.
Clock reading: 11.35
